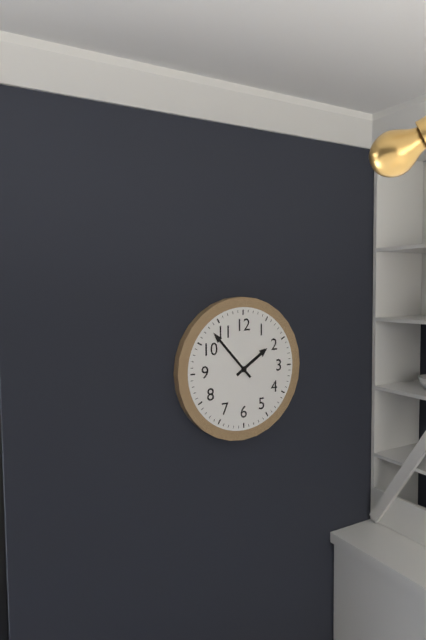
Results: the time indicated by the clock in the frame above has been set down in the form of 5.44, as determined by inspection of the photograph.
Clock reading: 1.53
